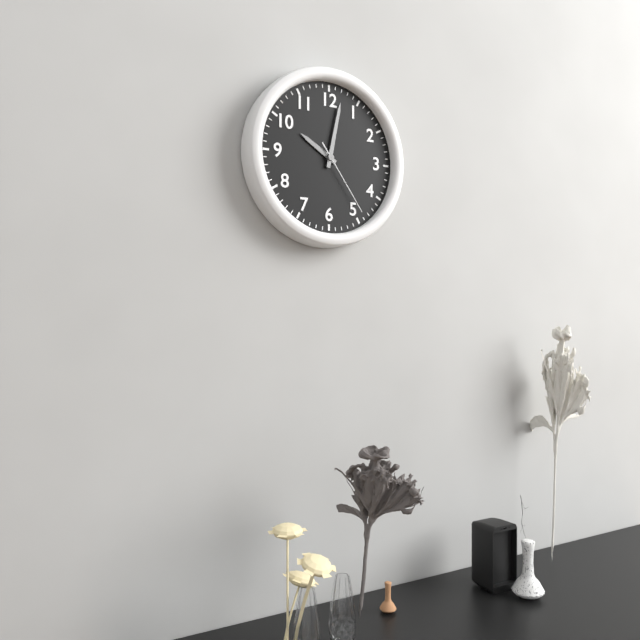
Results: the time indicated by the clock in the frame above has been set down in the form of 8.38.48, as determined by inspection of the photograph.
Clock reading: 10.02.24
